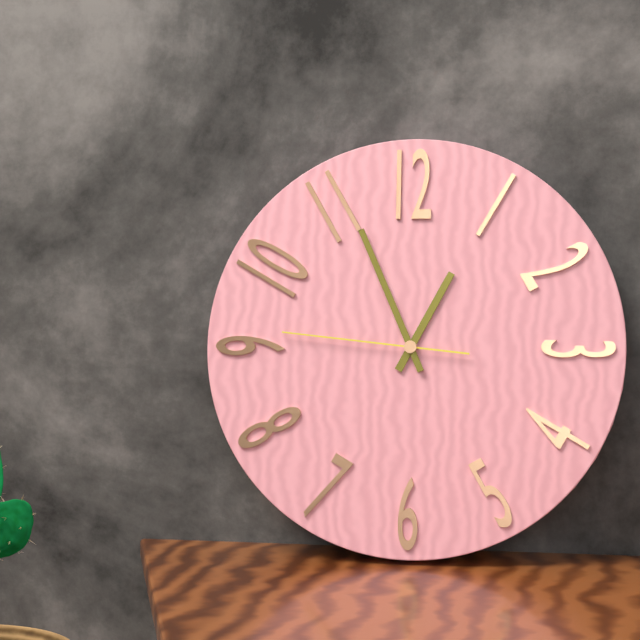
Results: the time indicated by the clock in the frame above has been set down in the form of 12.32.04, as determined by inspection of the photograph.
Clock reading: 12.56.46
